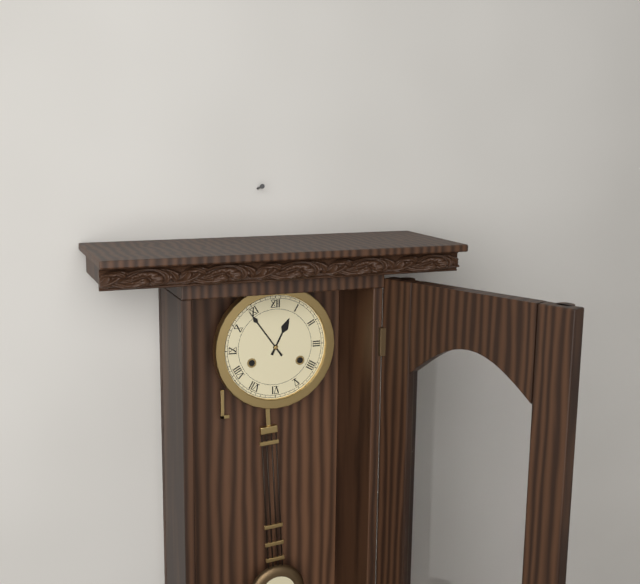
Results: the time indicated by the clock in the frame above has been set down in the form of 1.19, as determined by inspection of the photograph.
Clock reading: 12.54
